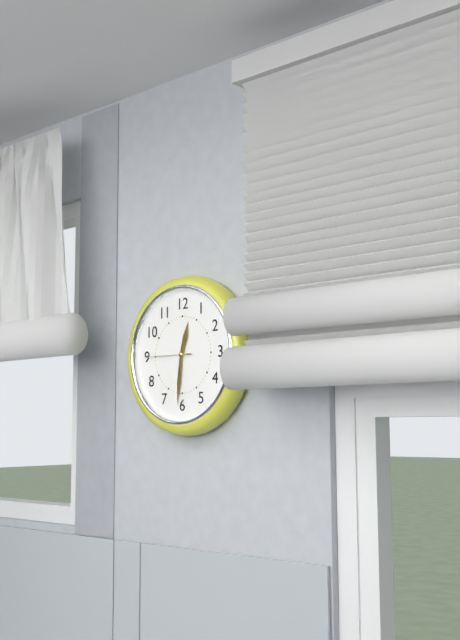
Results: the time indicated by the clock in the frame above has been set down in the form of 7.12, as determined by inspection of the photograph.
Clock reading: 12.31
